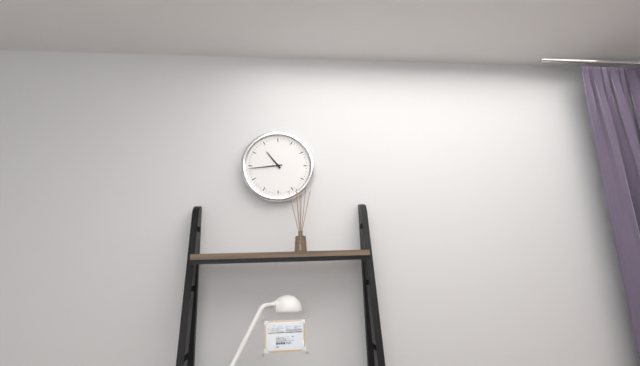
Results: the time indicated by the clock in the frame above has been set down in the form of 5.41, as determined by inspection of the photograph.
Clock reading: 10.44
